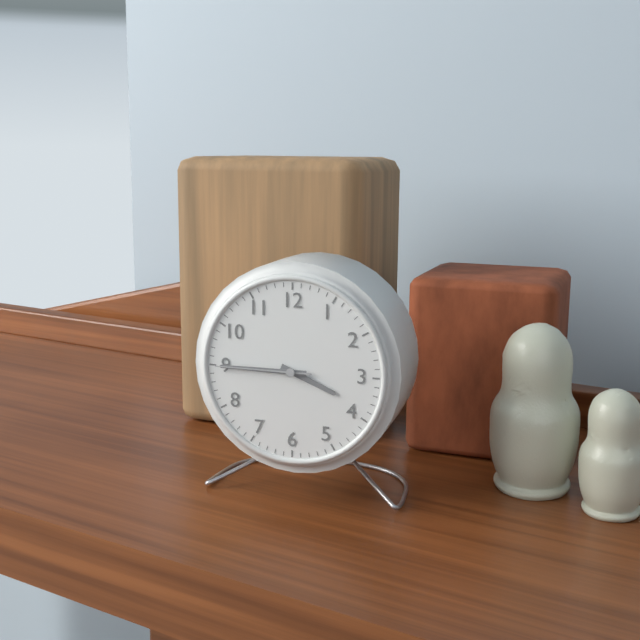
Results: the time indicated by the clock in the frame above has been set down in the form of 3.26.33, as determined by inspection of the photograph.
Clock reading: 3.45.45
